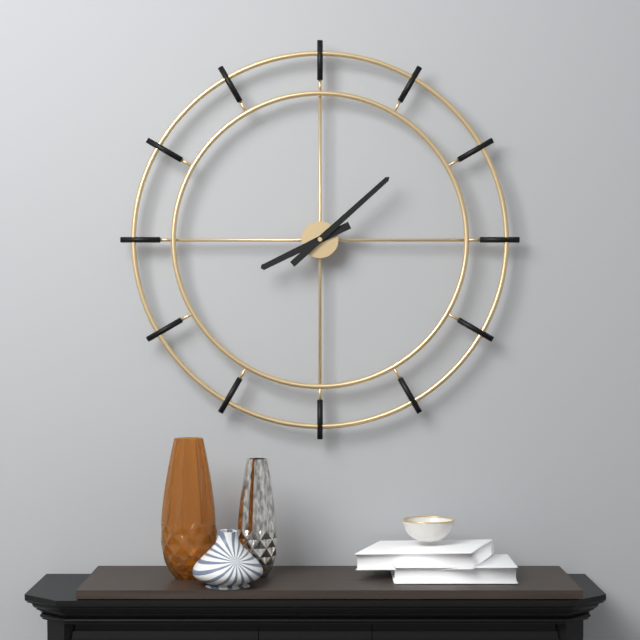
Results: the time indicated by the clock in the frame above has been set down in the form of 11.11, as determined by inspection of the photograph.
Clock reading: 8.08
